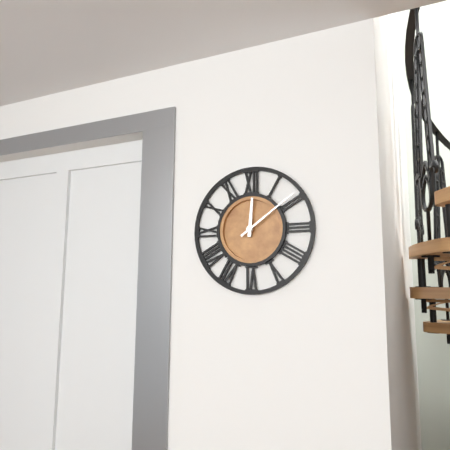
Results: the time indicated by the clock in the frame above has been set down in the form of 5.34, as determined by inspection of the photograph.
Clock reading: 12.09
